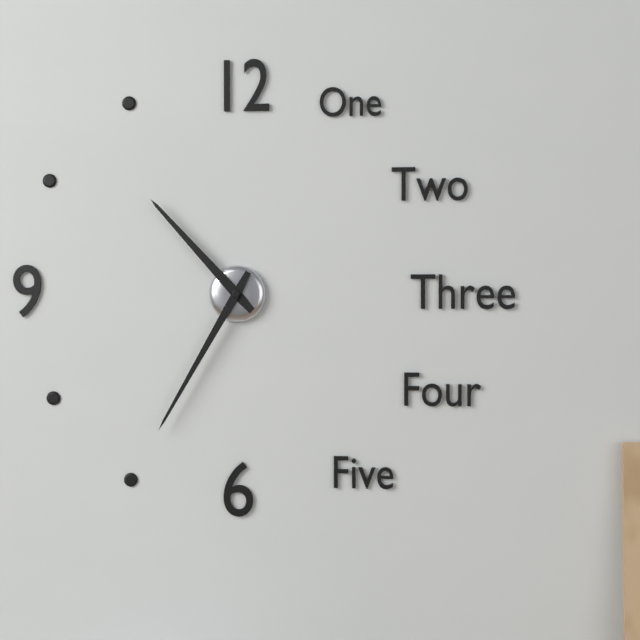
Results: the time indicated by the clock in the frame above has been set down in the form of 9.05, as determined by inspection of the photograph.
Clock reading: 10.35
